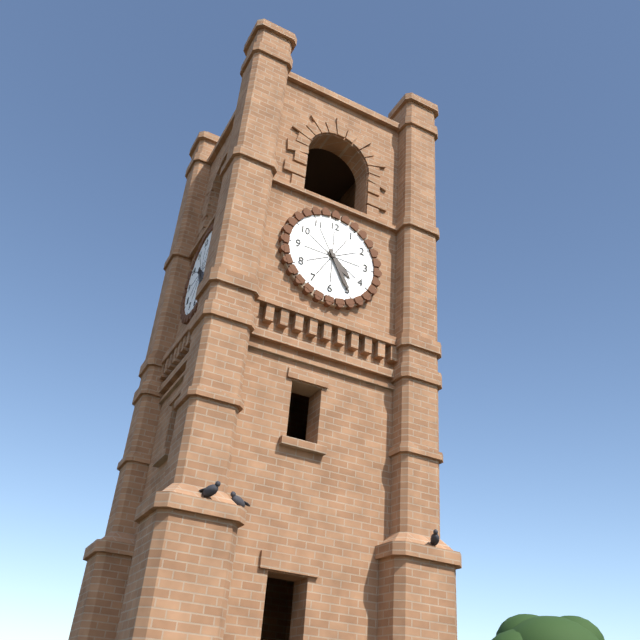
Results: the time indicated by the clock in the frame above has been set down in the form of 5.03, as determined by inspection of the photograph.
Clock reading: 4.25
